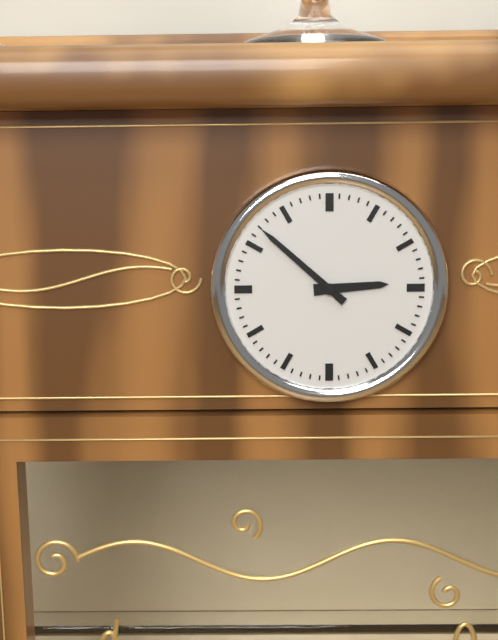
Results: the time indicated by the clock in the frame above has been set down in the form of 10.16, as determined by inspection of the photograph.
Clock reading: 2.52
